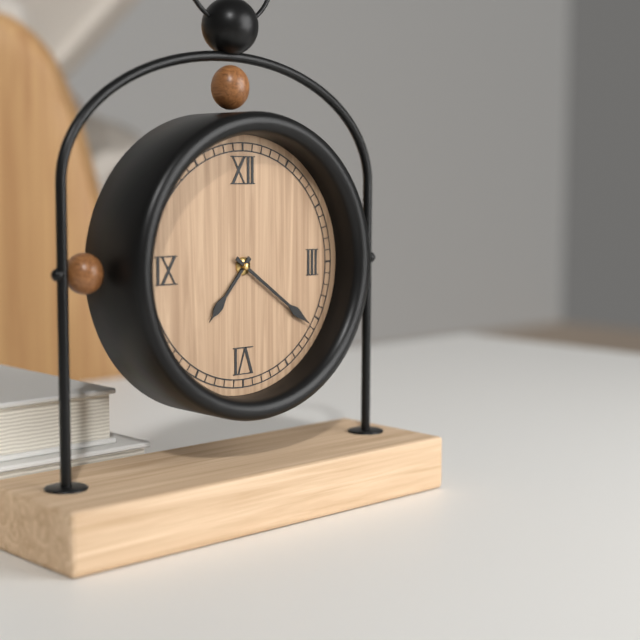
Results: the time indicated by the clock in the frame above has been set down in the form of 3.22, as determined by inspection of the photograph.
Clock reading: 7.21
